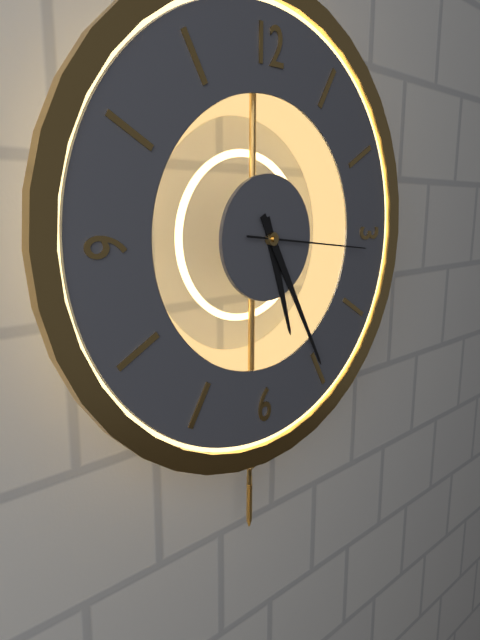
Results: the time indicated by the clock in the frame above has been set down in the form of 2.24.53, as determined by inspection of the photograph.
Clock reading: 5.25.16
